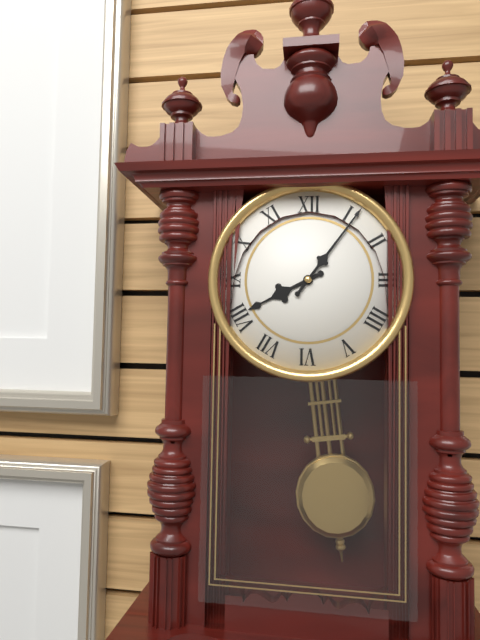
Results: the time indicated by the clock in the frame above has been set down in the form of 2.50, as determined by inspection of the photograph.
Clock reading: 8.06
